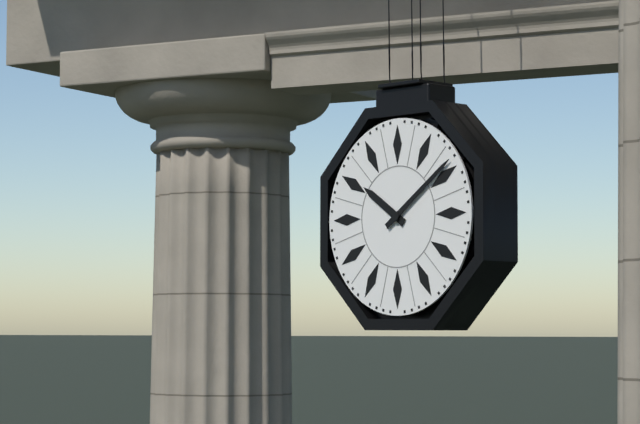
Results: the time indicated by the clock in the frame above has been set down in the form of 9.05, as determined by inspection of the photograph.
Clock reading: 10.09
